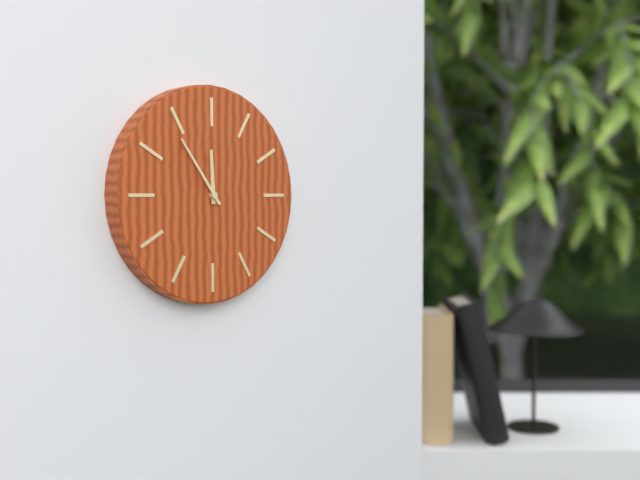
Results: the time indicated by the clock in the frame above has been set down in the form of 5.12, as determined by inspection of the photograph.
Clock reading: 11.54
